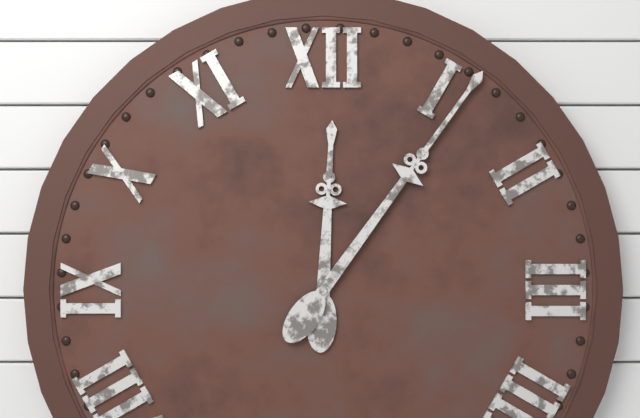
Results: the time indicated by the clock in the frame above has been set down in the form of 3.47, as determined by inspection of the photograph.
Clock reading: 12.06
